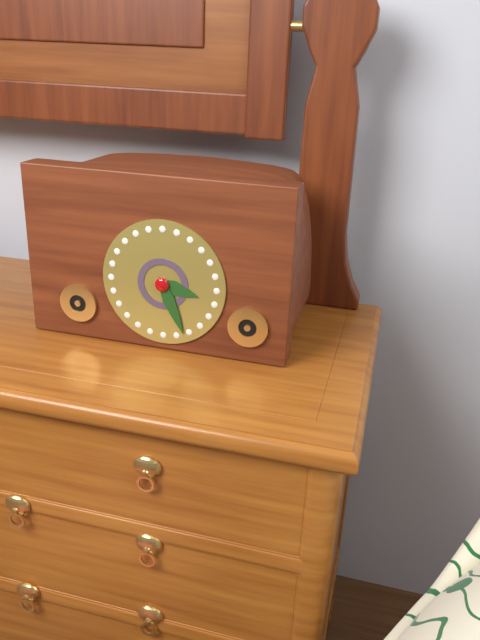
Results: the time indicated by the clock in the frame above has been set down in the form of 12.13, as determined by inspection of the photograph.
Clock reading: 3.26
